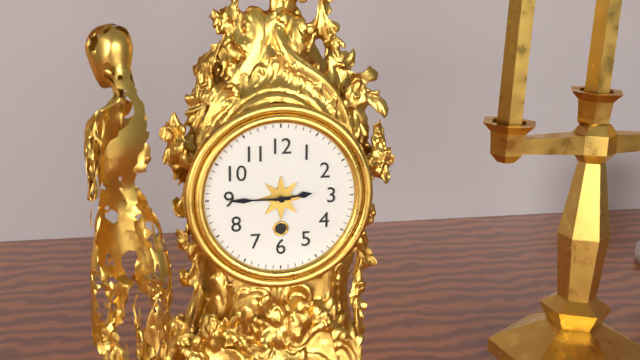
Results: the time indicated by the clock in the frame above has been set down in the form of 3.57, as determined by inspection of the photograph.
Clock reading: 2.45
